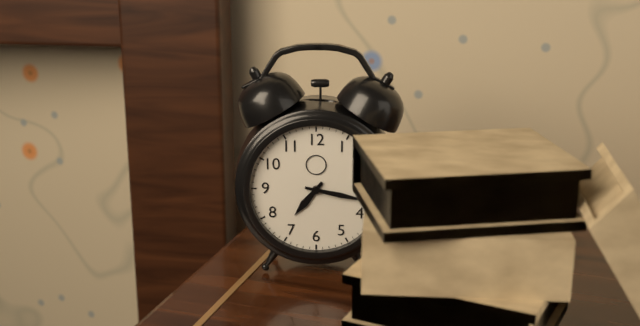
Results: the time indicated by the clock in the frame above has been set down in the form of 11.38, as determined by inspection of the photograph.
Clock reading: 7.17
